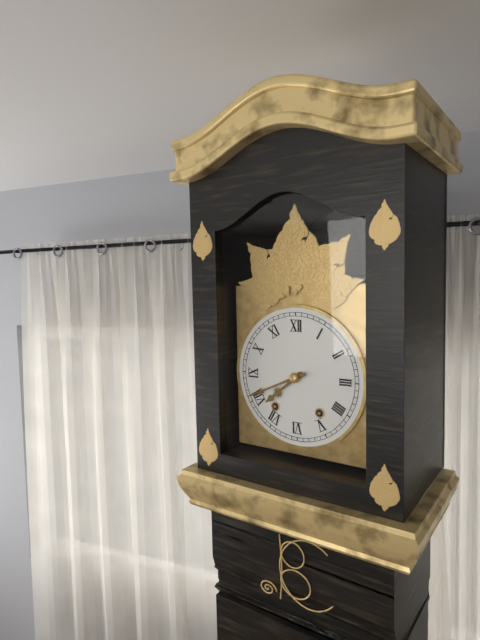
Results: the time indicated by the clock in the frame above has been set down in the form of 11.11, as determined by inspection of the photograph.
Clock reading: 7.41
